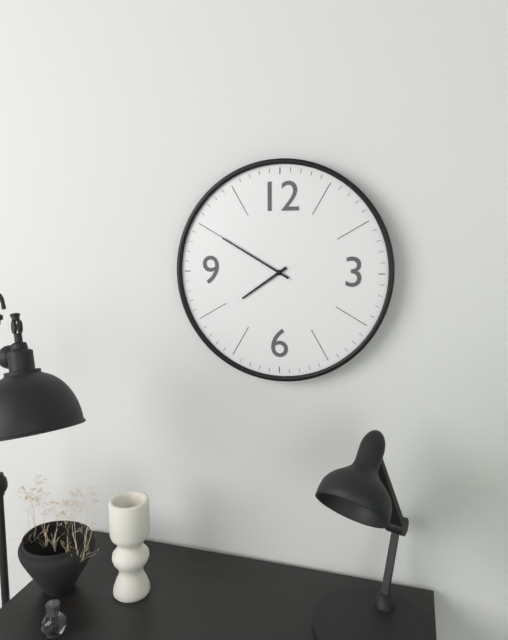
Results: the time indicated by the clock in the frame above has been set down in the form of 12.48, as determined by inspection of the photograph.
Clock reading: 7.50
